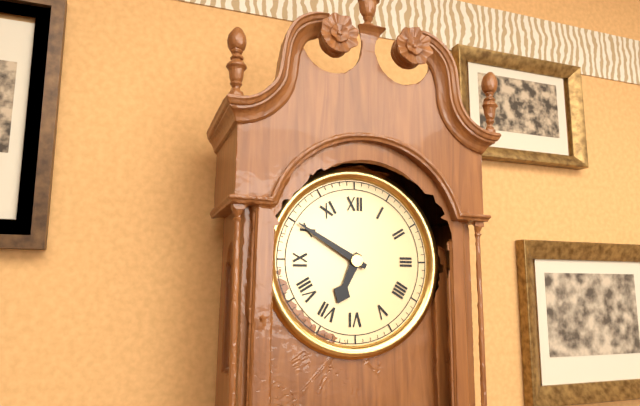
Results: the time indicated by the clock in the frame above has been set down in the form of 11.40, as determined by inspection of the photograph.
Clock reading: 6.50
